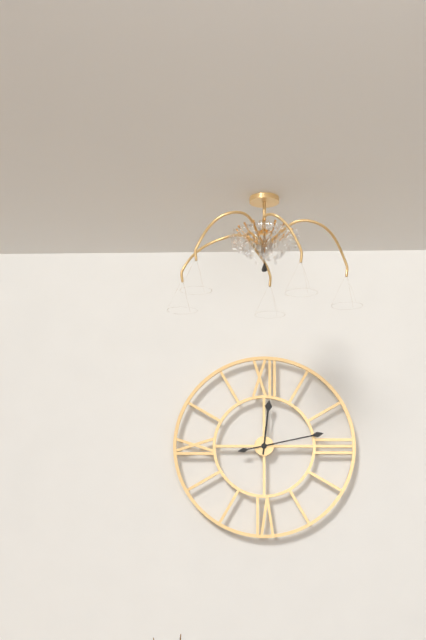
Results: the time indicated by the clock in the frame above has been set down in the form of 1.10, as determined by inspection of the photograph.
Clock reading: 12.13
